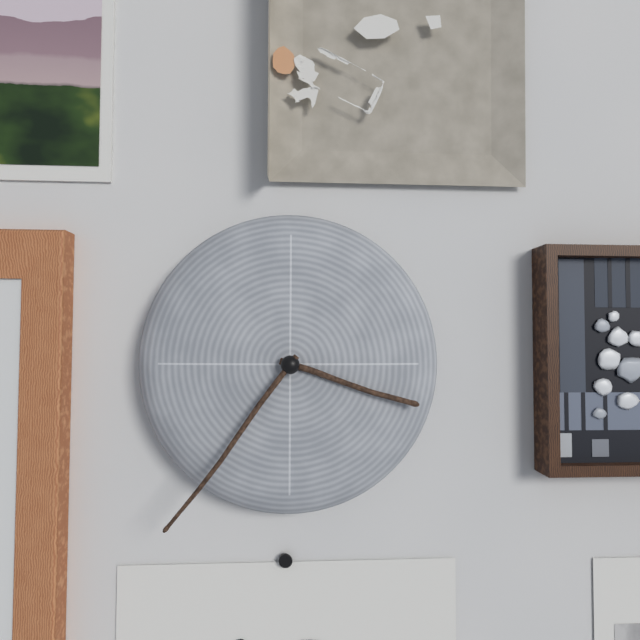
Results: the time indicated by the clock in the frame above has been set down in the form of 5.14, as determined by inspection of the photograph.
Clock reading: 3.36
